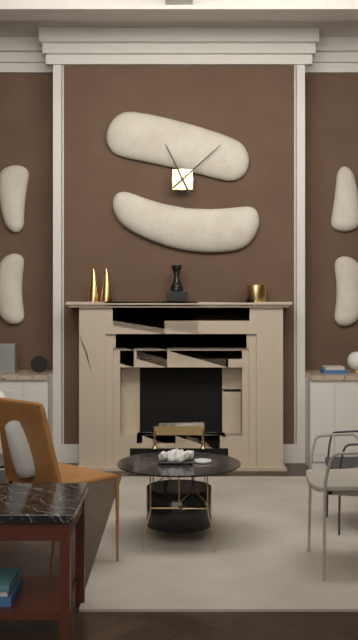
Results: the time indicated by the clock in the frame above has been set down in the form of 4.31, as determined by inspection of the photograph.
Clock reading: 11.08
